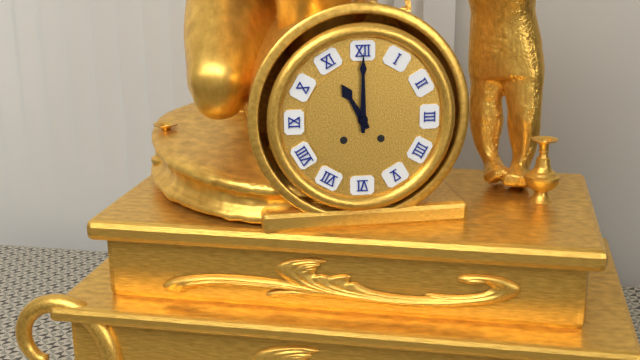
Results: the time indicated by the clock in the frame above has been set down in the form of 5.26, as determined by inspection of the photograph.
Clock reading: 11.00
